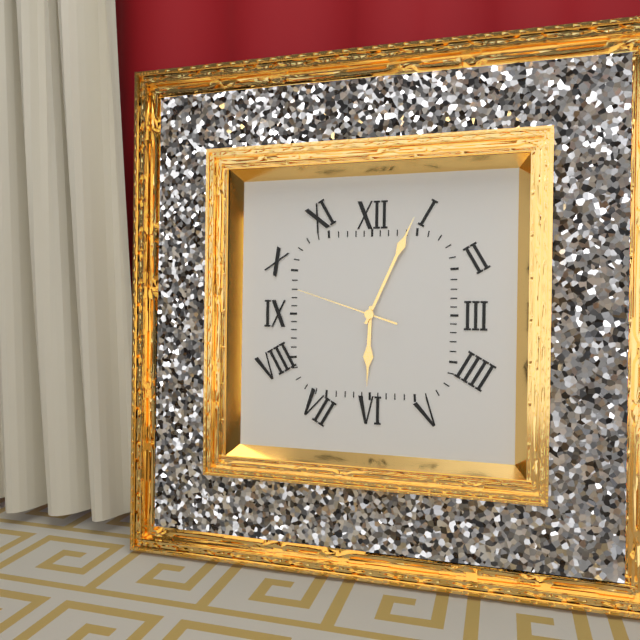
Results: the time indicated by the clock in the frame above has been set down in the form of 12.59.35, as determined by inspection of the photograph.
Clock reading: 6.04.48
